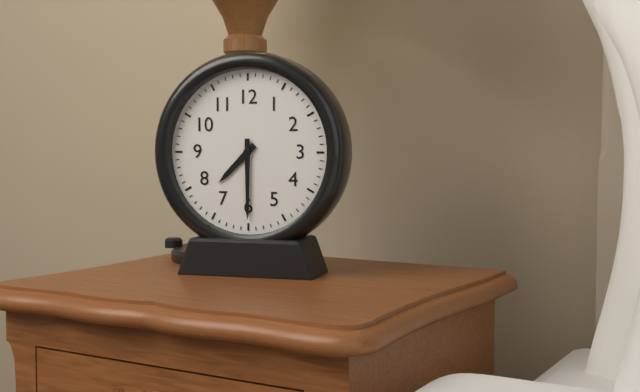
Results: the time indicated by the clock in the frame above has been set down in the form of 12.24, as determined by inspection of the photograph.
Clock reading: 7.30
